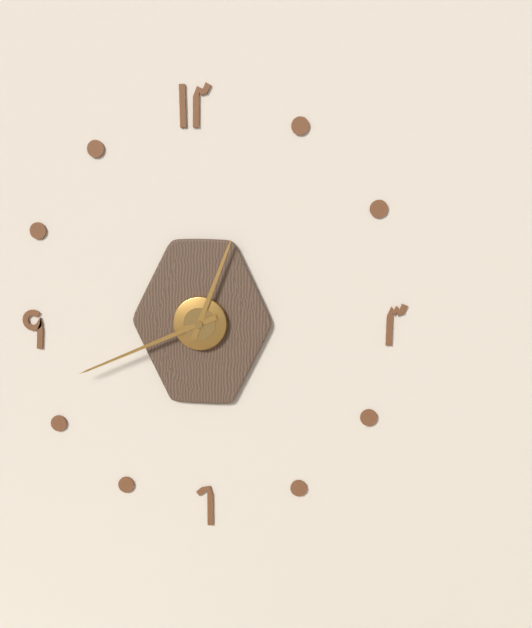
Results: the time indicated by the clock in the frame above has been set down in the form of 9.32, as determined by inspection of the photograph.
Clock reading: 12.41
